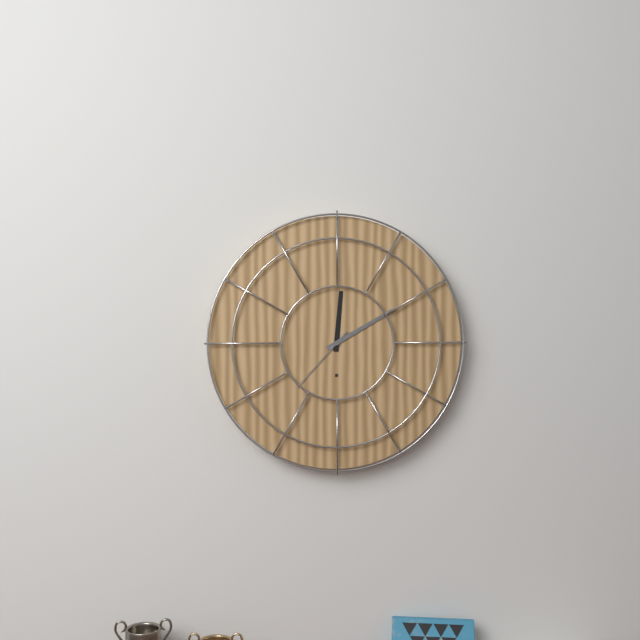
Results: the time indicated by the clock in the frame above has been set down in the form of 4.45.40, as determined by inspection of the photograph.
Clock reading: 12.10.37
